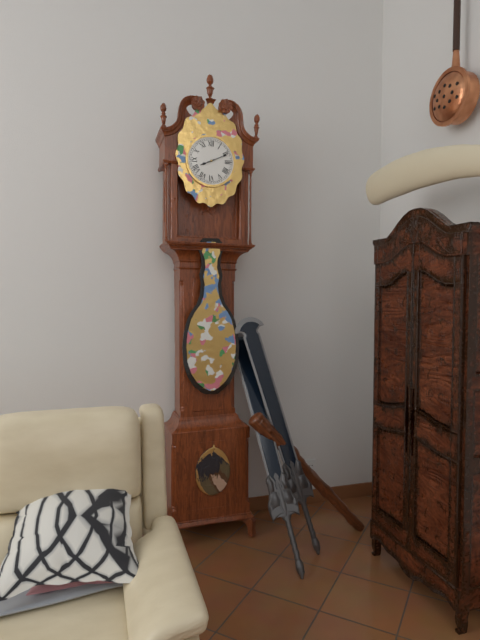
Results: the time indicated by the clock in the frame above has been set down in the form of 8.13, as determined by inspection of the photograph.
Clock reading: 8.11
